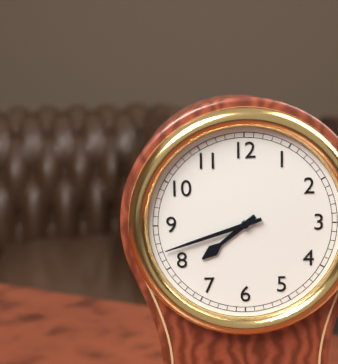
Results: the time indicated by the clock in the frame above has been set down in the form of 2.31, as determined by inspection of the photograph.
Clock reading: 7.42
